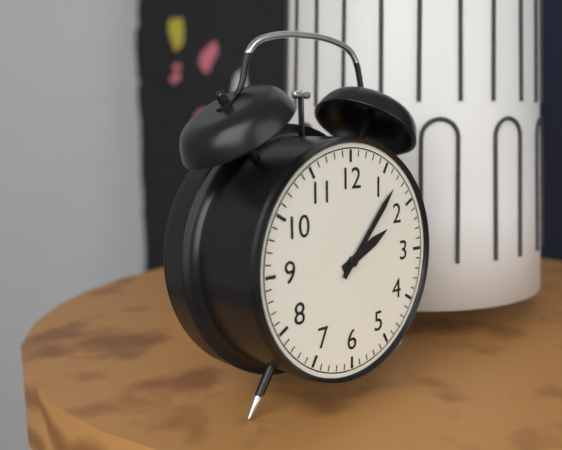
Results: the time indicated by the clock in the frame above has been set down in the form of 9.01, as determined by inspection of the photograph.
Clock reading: 2.07
